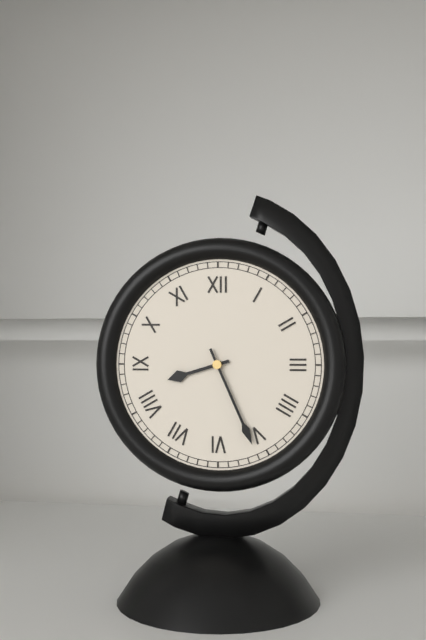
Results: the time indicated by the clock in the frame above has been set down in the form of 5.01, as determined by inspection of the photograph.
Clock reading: 8.26
